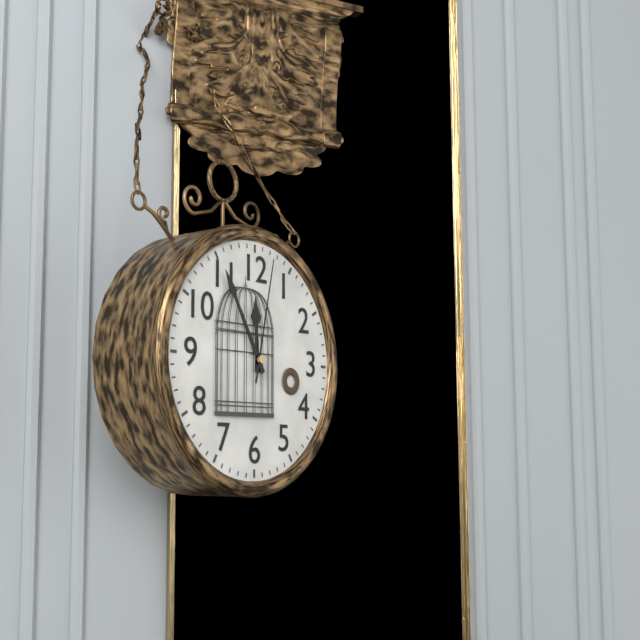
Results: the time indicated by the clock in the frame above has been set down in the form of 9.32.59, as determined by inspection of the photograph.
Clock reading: 11.55.02
